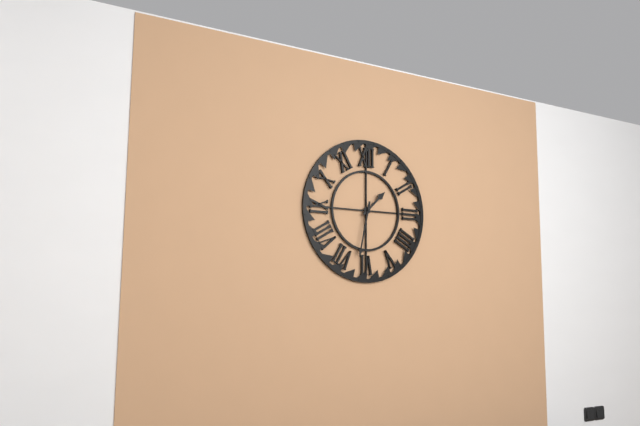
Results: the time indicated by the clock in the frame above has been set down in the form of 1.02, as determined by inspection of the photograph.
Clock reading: 1.32
